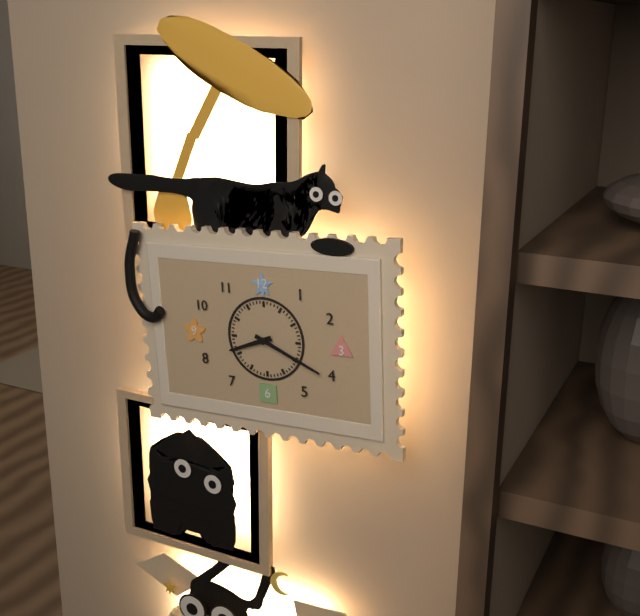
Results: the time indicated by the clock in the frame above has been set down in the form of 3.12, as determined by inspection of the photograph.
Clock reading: 8.19
